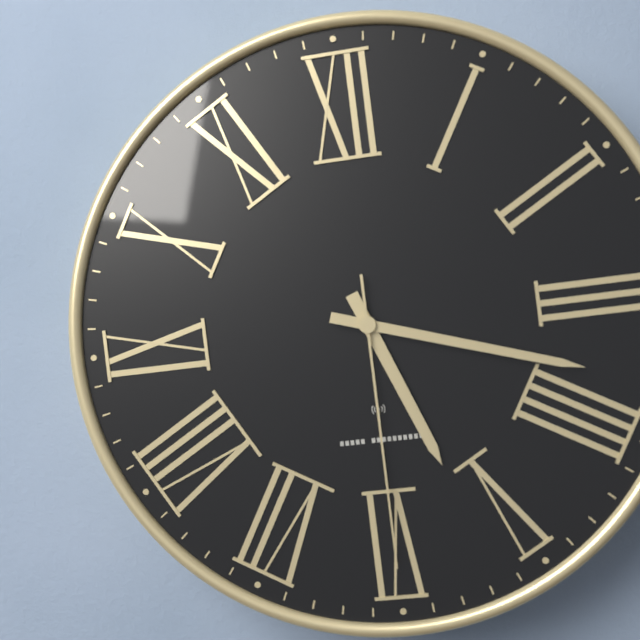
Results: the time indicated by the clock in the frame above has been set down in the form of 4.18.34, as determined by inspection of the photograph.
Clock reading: 5.18.30
